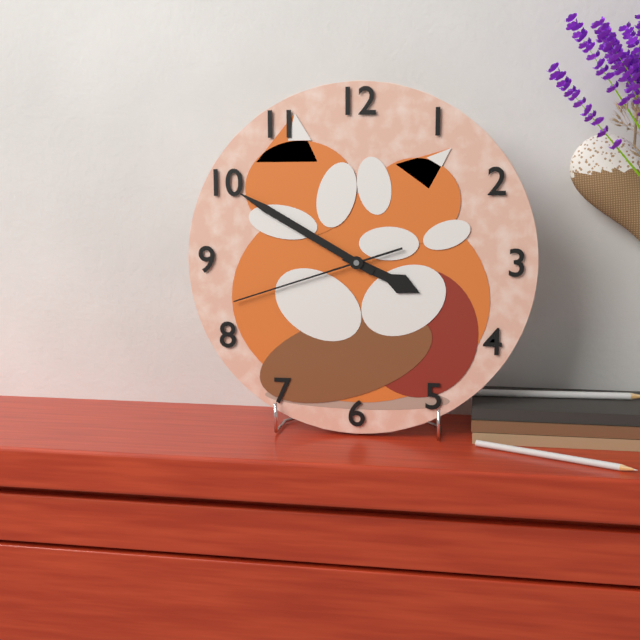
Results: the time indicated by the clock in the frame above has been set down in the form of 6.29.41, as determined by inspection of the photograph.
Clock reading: 3.50.42
